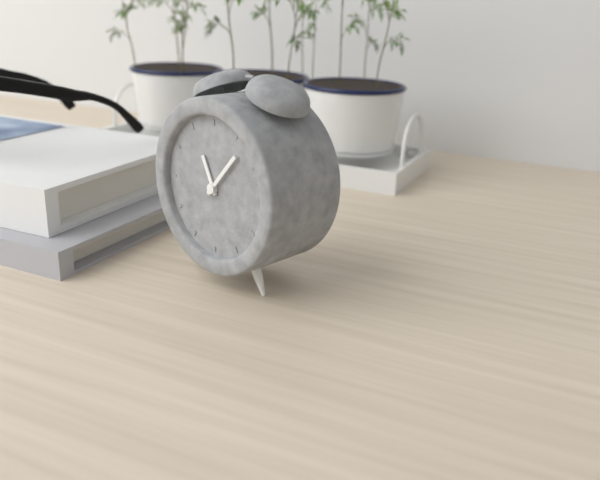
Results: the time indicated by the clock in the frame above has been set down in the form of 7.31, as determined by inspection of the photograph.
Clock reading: 11.07
